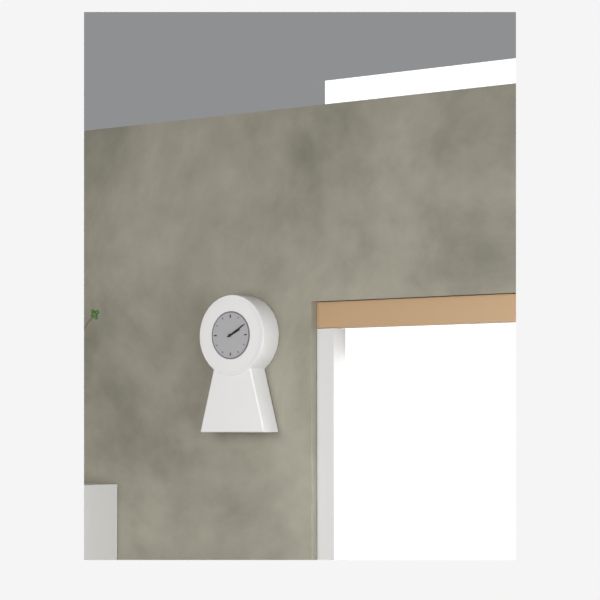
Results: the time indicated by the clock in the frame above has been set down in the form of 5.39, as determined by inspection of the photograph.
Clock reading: 2.10
